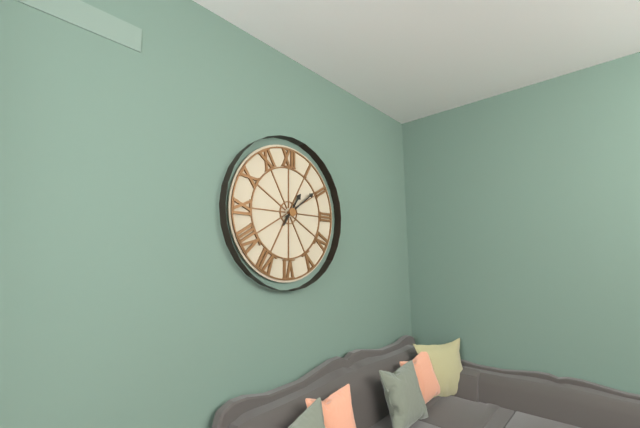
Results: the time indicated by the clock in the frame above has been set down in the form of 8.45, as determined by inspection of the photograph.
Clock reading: 1.09
